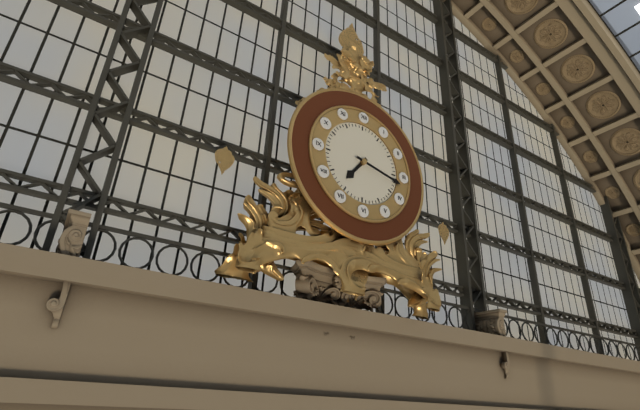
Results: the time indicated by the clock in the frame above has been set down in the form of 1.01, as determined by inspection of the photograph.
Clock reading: 7.17
